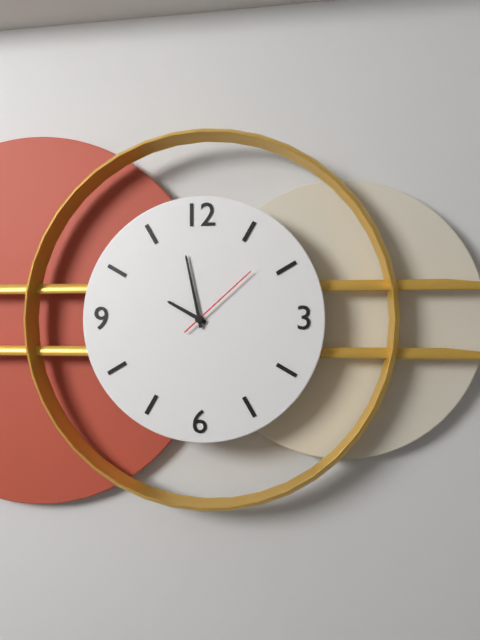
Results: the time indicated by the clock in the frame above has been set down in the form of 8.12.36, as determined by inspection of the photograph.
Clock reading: 9.58.08
